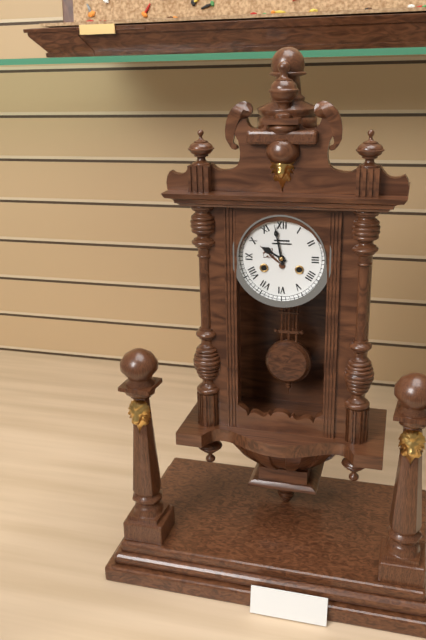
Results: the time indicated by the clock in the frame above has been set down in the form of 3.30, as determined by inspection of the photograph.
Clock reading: 9.58
